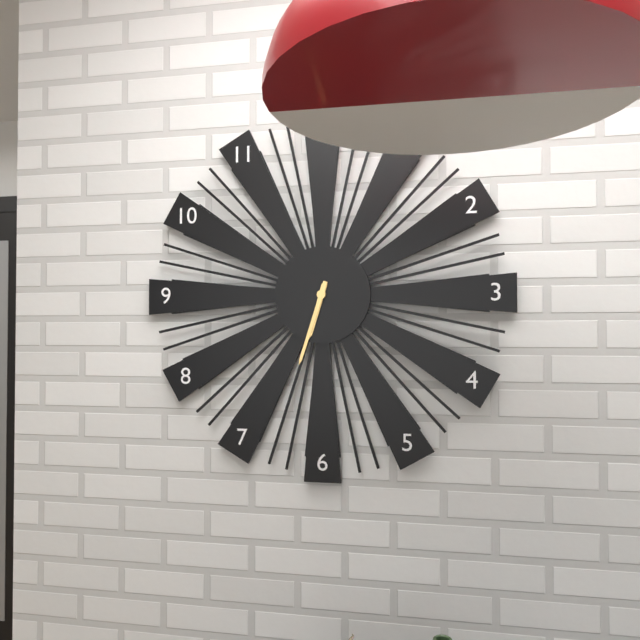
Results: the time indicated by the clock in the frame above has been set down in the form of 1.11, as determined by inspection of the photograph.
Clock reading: 6.33
